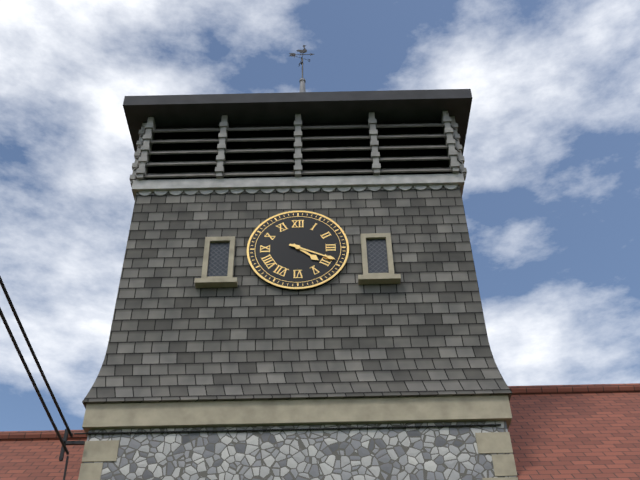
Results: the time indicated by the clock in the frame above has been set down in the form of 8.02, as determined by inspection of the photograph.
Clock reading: 4.19
